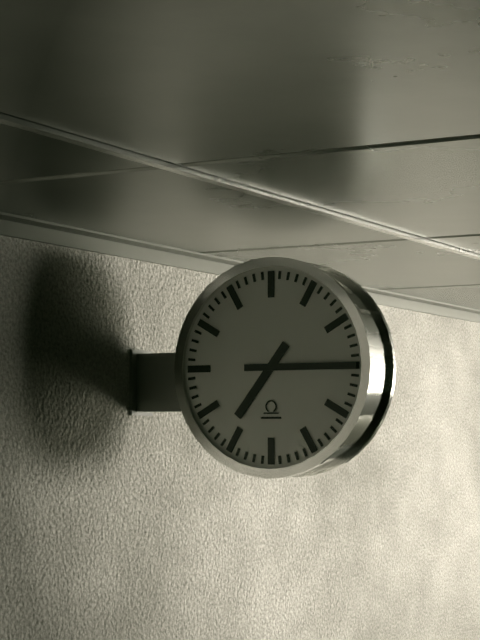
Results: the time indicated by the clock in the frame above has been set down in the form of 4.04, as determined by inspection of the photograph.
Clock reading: 7.15
